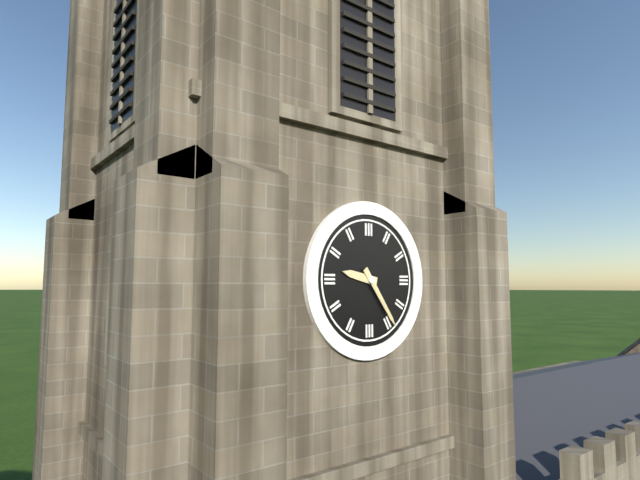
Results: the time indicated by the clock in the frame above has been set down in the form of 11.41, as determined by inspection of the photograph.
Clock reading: 9.24
